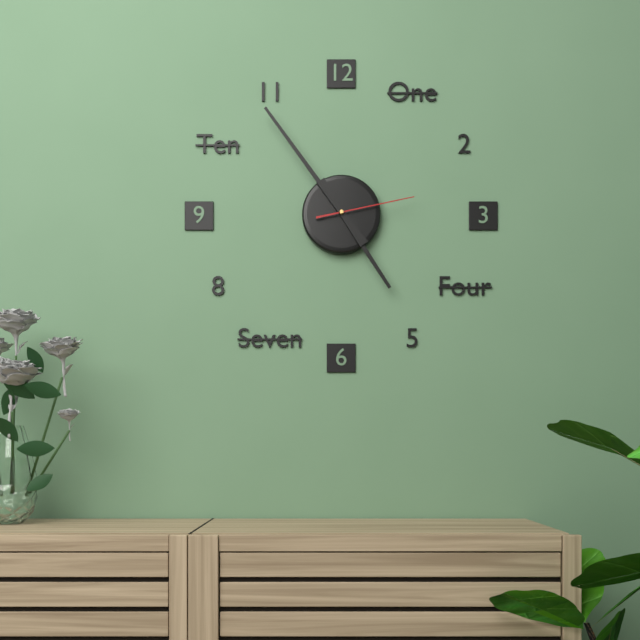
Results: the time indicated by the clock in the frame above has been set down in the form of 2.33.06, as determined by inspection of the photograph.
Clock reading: 4.54.13
